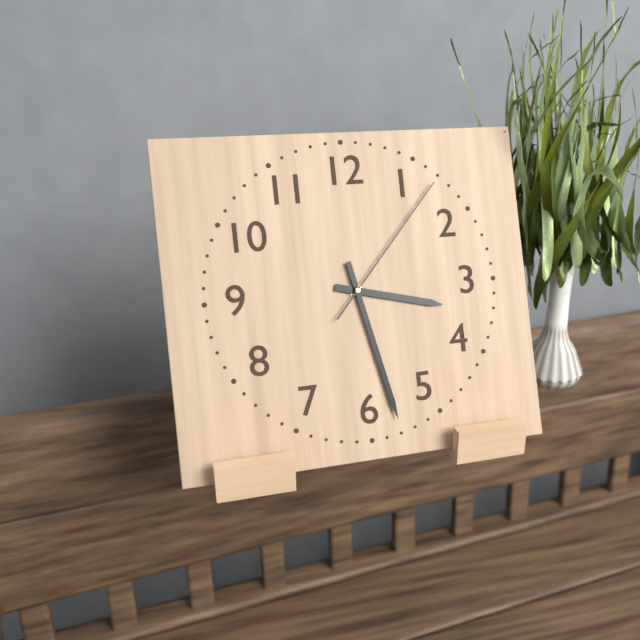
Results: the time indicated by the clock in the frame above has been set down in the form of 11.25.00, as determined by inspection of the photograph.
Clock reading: 3.28.07
